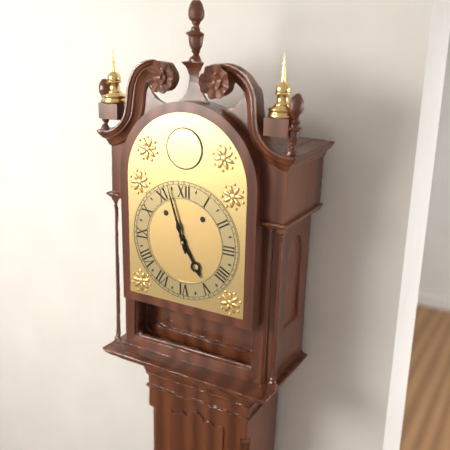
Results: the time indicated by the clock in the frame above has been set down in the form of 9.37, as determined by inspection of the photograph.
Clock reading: 4.57
